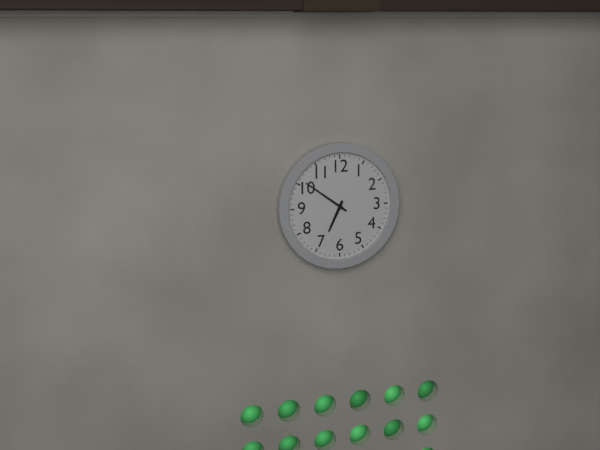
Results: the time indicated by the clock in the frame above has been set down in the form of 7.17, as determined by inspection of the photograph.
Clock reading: 6.51
